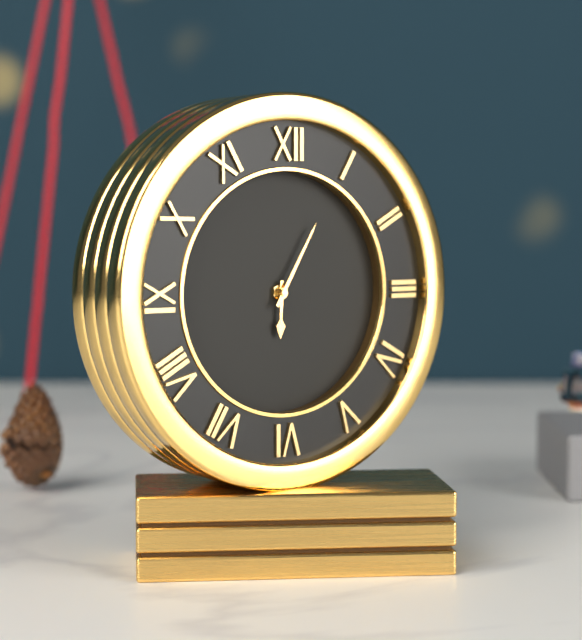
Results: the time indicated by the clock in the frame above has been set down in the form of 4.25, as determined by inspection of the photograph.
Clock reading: 6.05
